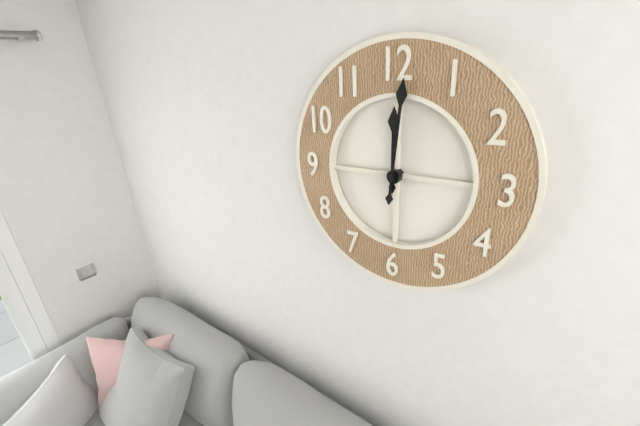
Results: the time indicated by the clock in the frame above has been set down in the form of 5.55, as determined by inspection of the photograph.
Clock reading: 12.01
